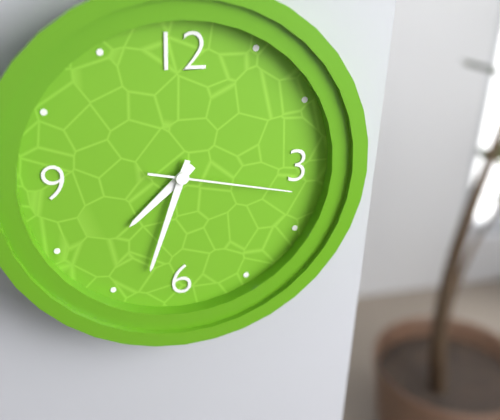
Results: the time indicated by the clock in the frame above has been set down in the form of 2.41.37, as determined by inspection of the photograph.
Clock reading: 7.33.17
